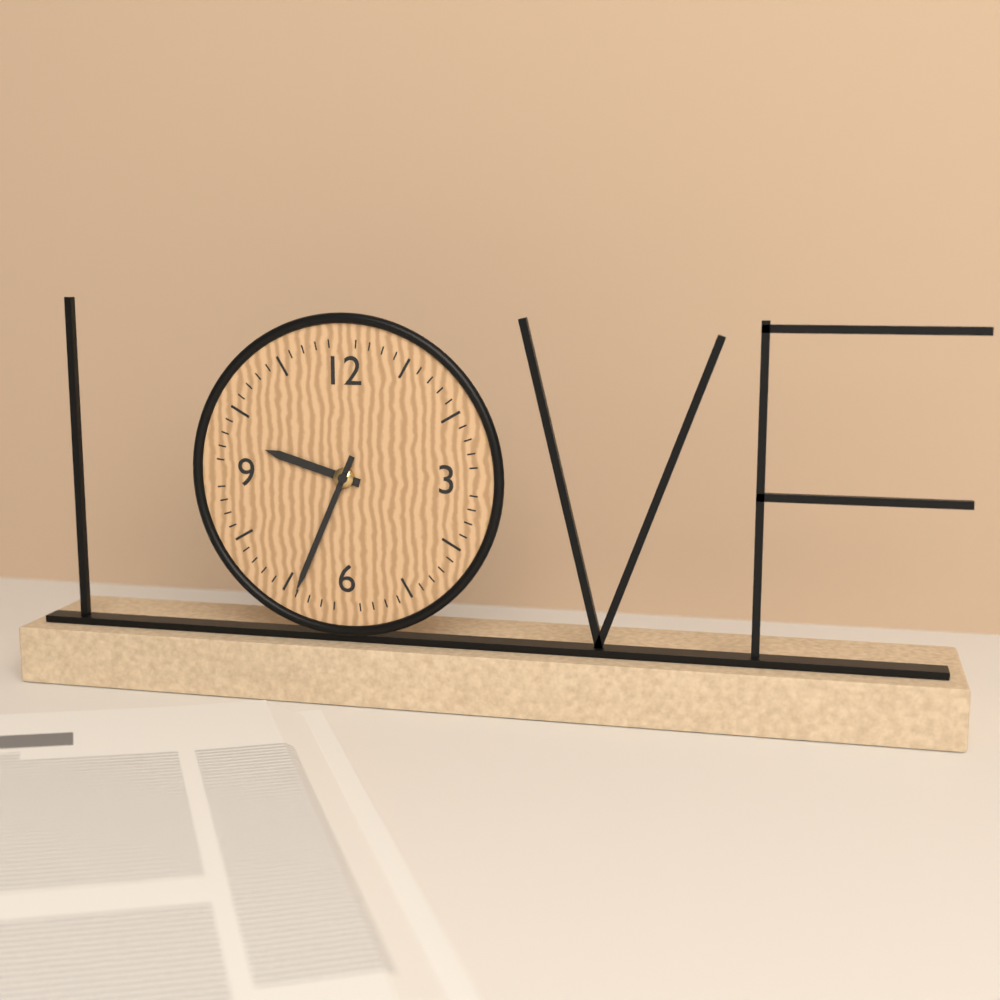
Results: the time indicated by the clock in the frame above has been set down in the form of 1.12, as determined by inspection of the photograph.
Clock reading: 9.34
